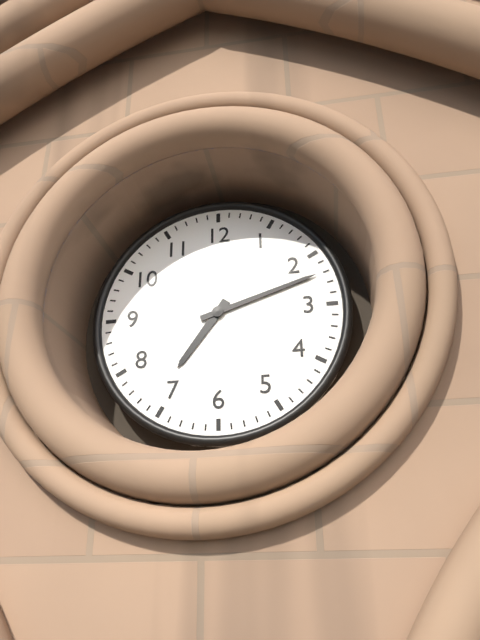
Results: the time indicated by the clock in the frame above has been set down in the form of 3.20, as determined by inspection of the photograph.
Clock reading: 7.12
